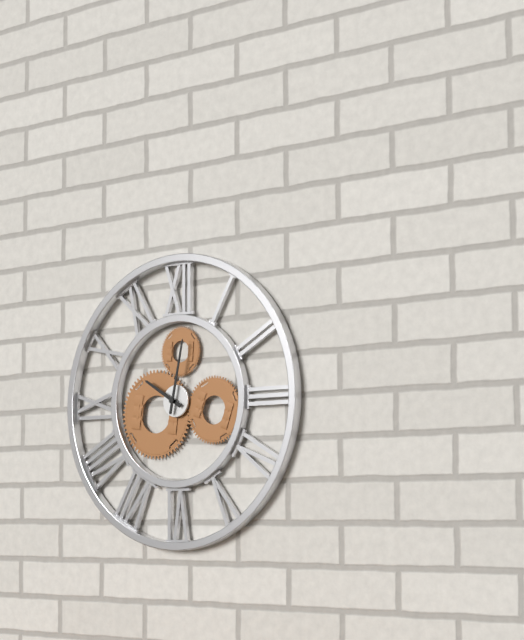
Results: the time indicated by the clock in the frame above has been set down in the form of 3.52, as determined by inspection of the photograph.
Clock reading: 10.02
